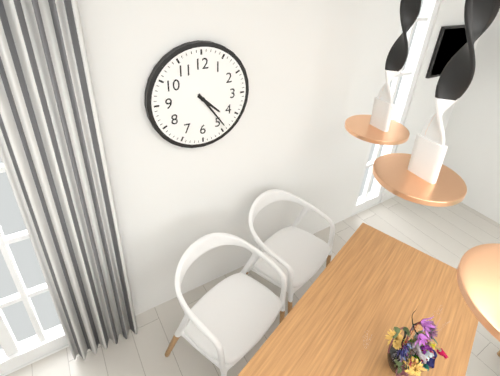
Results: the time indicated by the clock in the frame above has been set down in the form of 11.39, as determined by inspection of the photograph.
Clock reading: 4.24
